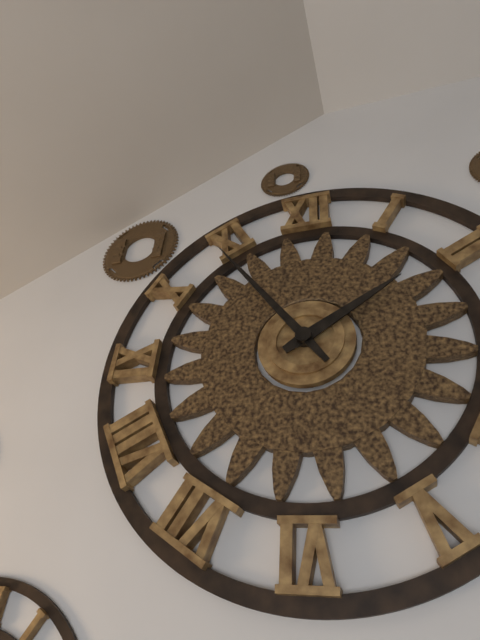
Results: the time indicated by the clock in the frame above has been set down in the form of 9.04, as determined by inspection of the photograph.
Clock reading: 1.54
